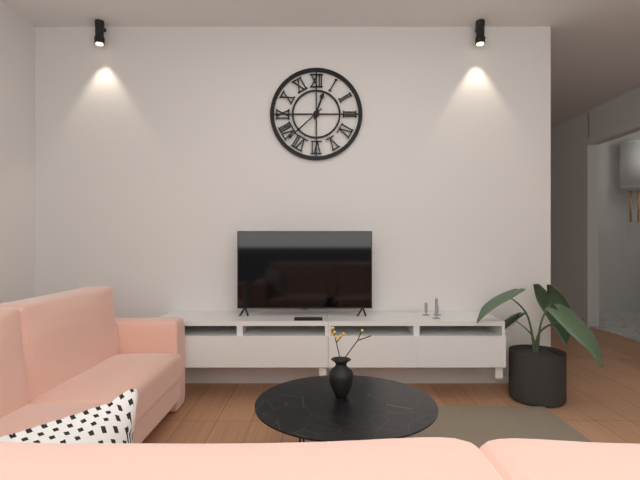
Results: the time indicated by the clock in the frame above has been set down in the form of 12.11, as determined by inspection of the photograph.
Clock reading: 12.38
